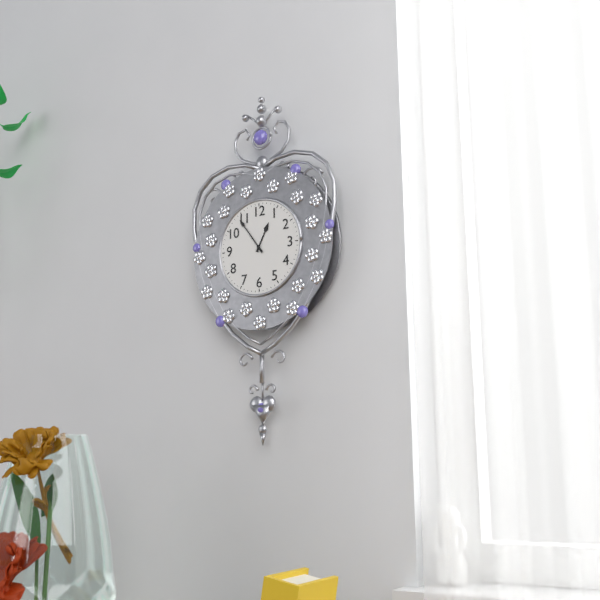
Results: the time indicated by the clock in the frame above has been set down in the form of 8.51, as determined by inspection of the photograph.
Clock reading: 12.54
